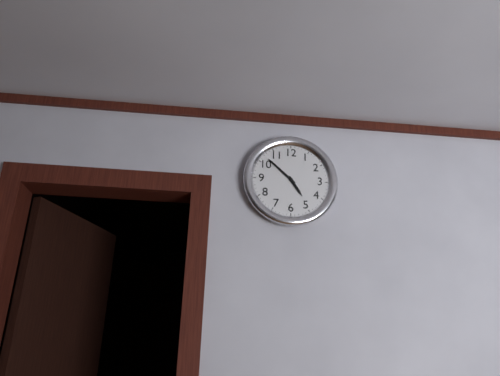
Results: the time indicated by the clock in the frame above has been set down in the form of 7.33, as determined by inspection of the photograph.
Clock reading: 4.52
